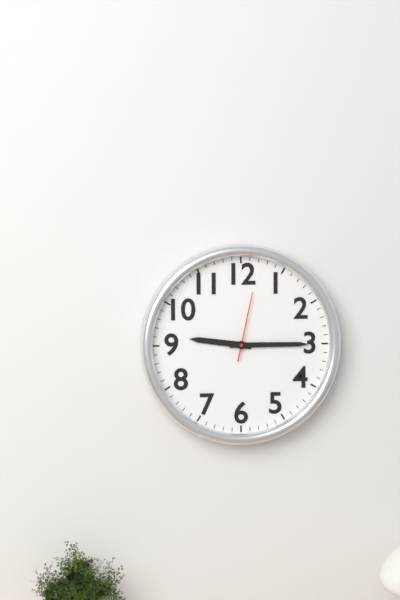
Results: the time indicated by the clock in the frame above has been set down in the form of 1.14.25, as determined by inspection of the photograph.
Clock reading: 9.15.02
